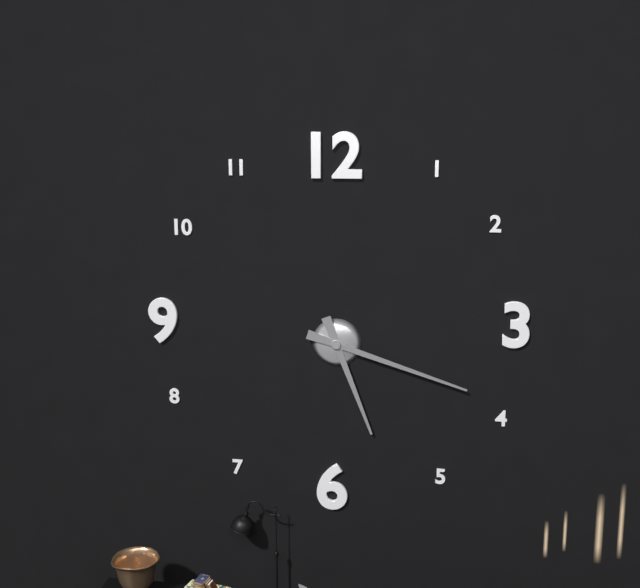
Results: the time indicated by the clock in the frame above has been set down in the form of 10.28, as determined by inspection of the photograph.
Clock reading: 5.18
